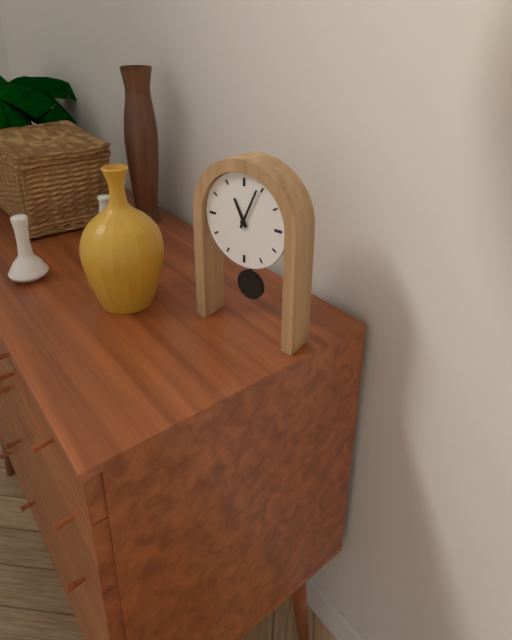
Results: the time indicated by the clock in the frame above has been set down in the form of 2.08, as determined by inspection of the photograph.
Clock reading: 11.04
